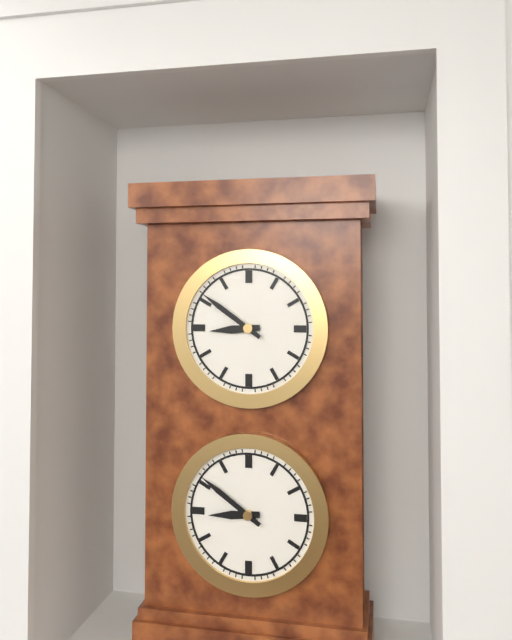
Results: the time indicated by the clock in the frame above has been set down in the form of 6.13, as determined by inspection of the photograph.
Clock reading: 8.51
